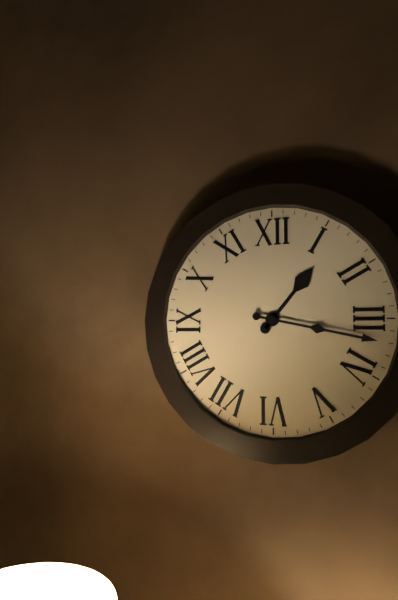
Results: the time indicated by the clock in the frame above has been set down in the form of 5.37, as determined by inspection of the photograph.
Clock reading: 1.17
